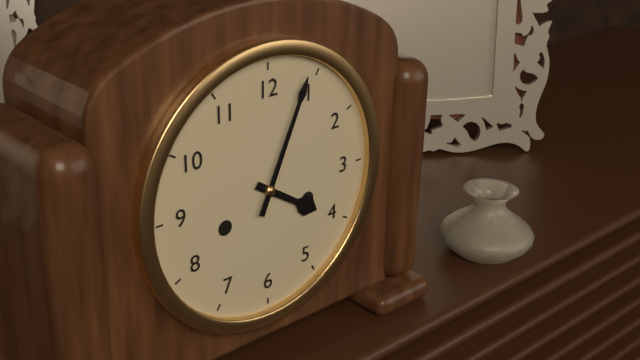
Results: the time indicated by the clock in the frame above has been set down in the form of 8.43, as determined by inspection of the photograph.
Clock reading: 4.04
